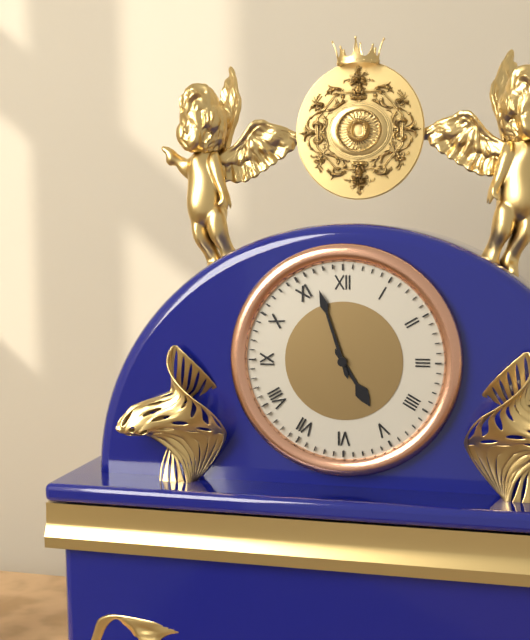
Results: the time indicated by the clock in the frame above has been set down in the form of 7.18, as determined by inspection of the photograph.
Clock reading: 4.57
